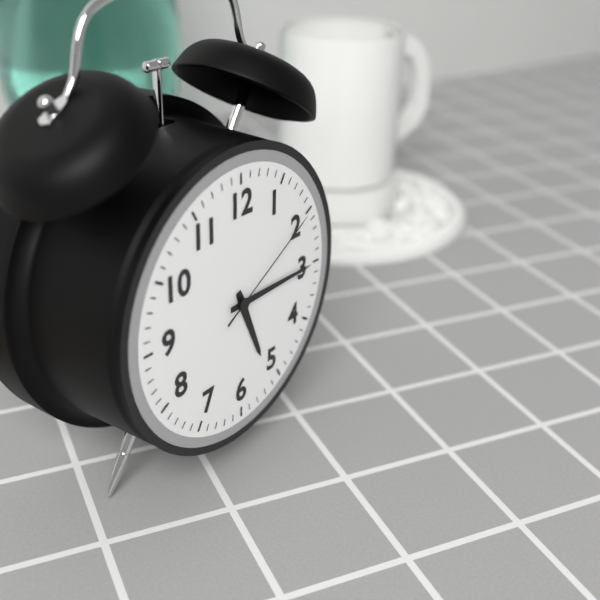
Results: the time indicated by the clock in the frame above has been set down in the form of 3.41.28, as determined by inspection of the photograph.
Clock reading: 5.15.10
